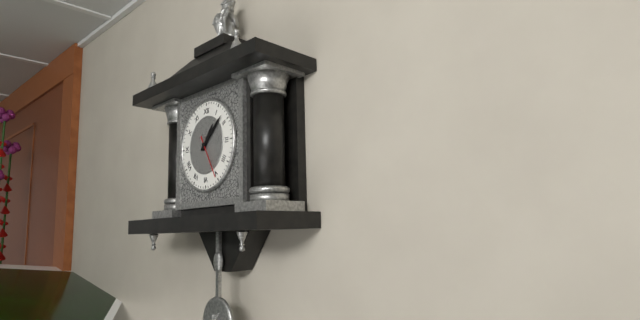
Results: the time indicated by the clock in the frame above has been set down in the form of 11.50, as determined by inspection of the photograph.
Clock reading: 1.08
